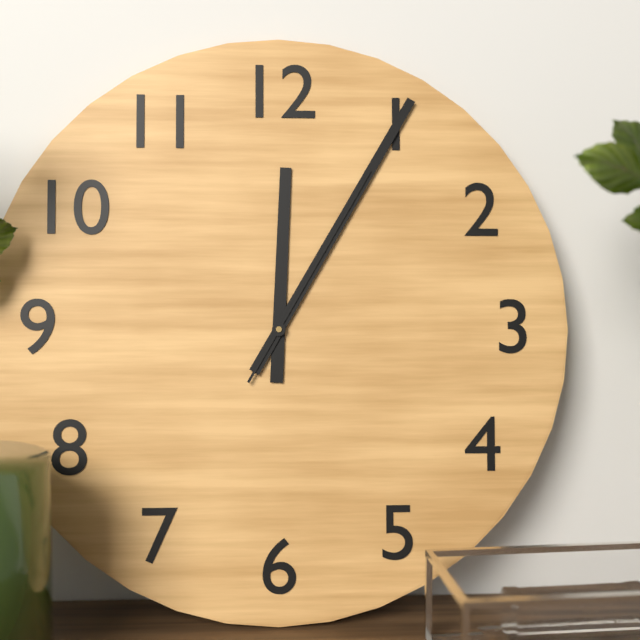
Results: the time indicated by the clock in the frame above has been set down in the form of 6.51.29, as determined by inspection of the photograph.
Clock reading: 12.05.05
